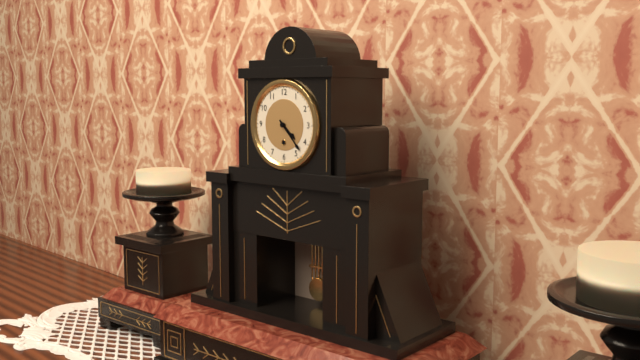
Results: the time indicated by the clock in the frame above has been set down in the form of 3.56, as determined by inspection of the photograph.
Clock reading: 4.23
